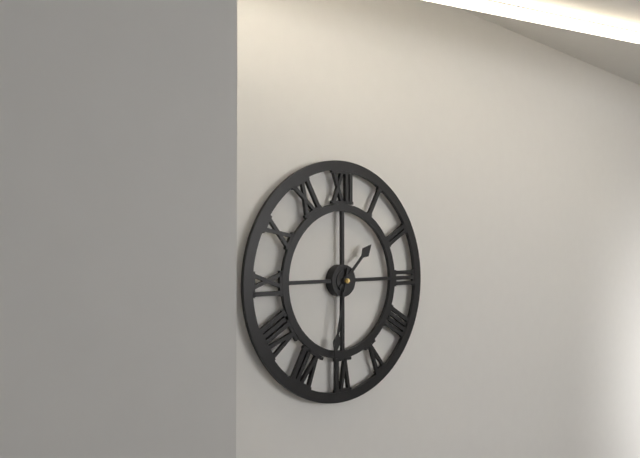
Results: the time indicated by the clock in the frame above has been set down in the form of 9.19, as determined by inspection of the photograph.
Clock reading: 1.32
